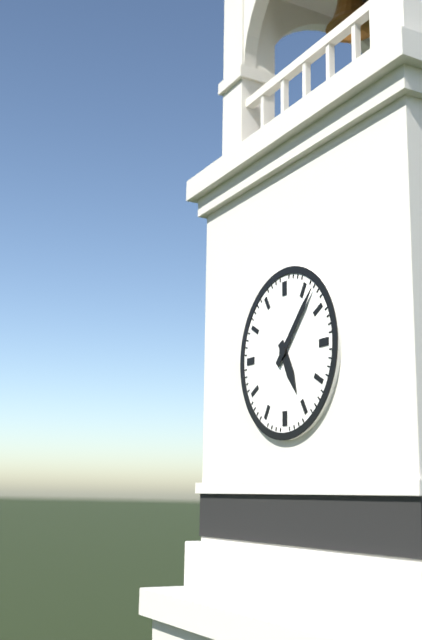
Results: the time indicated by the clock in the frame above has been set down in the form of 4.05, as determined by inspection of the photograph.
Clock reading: 5.07
